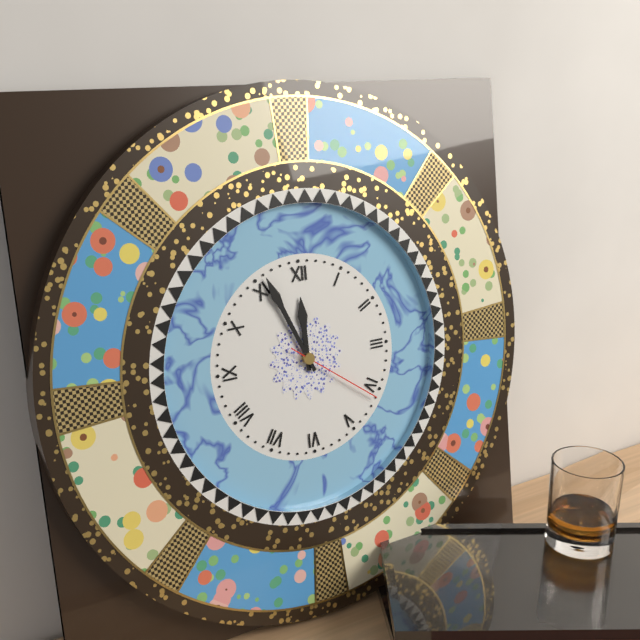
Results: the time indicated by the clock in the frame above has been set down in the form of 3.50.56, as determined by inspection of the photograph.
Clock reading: 11.56.21
